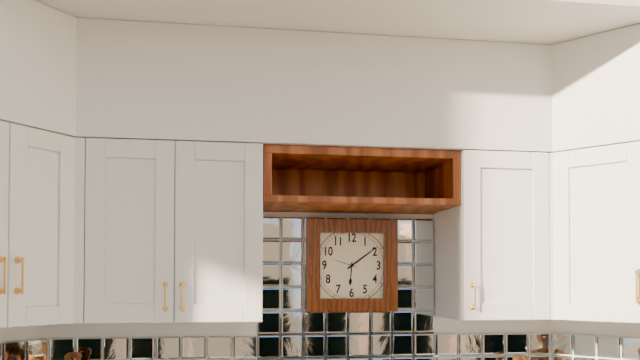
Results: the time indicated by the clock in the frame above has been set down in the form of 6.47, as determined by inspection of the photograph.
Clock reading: 6.09
